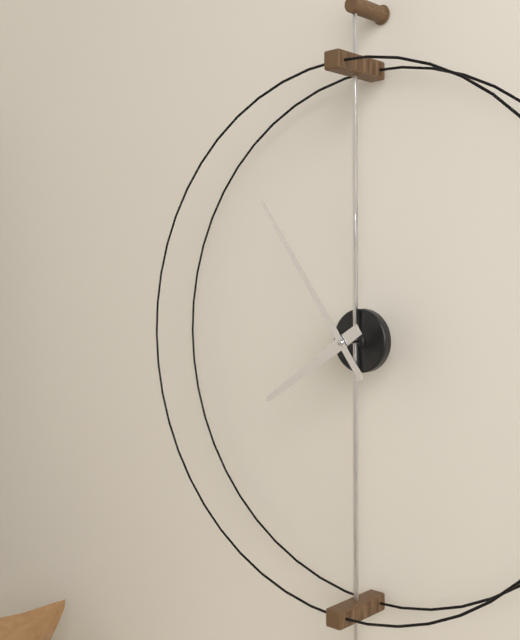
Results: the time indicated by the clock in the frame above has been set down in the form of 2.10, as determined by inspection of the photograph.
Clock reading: 7.54
